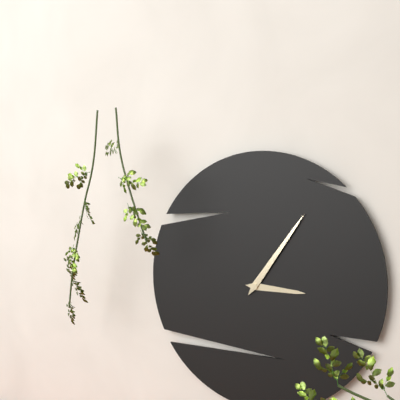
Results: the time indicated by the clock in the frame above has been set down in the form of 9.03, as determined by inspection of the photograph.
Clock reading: 3.06
